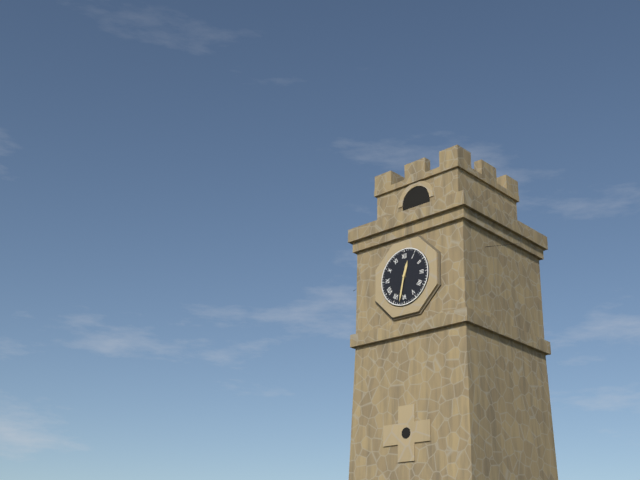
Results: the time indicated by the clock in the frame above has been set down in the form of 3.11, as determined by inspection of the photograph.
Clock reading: 12.32
